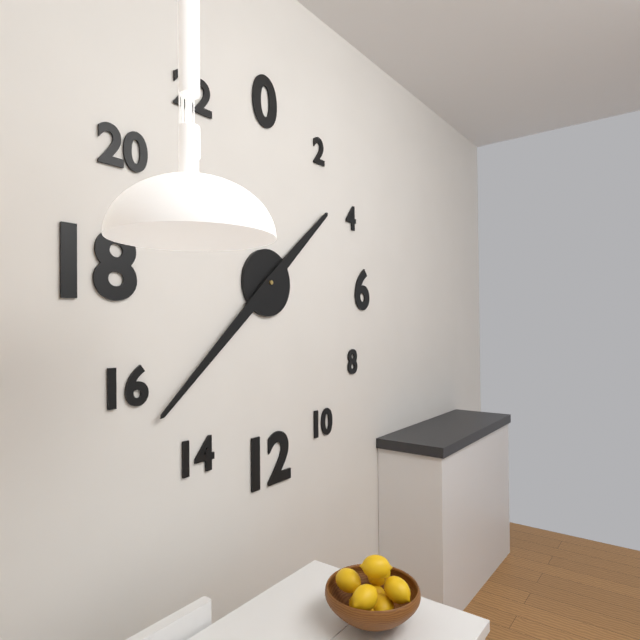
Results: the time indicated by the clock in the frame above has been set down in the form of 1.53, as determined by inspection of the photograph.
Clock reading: 1.38
